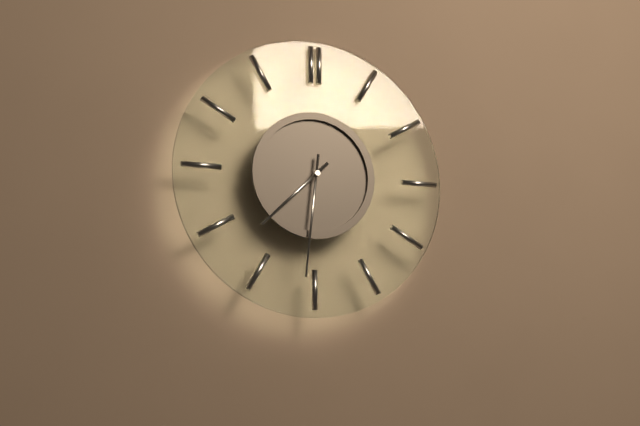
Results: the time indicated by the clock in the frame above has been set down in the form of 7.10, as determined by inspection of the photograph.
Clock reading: 7.31
